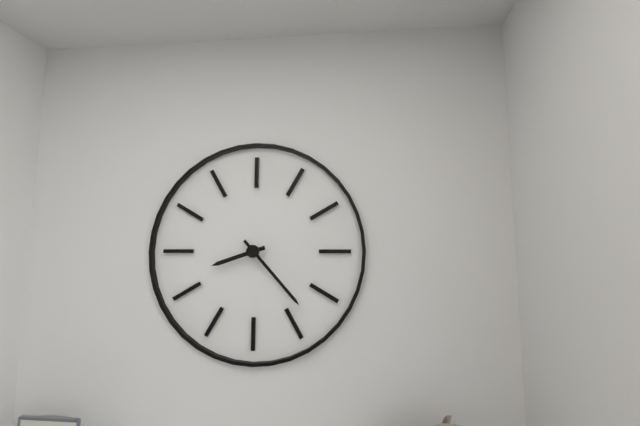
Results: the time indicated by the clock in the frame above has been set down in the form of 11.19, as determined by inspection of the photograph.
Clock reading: 8.23
